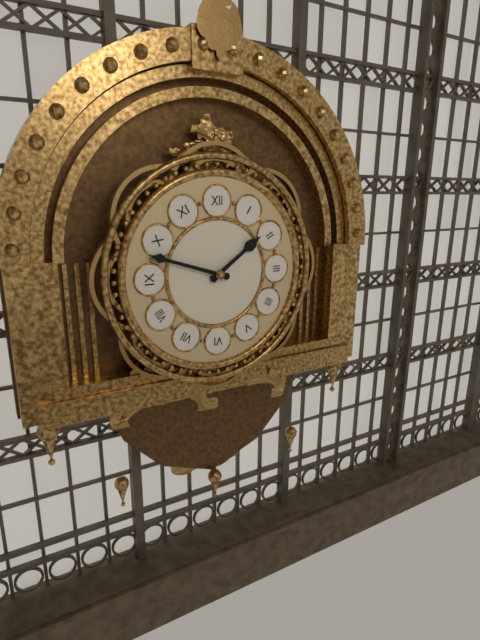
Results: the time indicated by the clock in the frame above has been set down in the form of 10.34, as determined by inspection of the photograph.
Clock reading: 1.48
